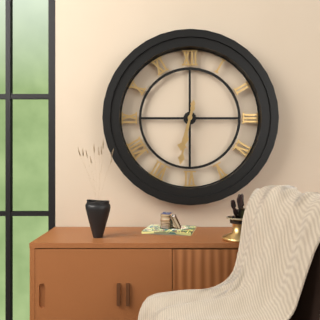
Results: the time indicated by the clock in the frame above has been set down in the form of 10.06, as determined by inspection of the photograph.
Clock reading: 6.32
